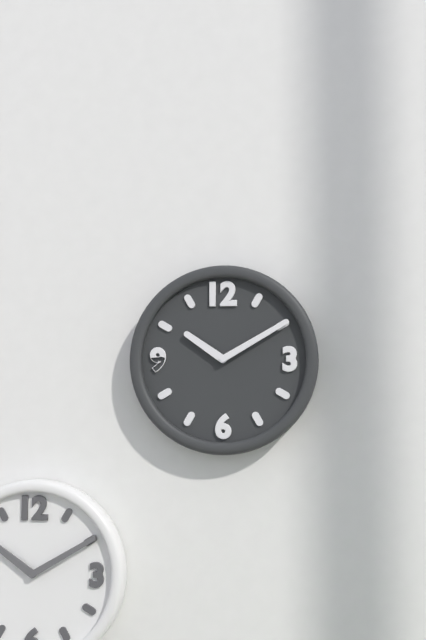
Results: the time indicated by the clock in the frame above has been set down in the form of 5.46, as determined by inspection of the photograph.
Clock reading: 10.10
